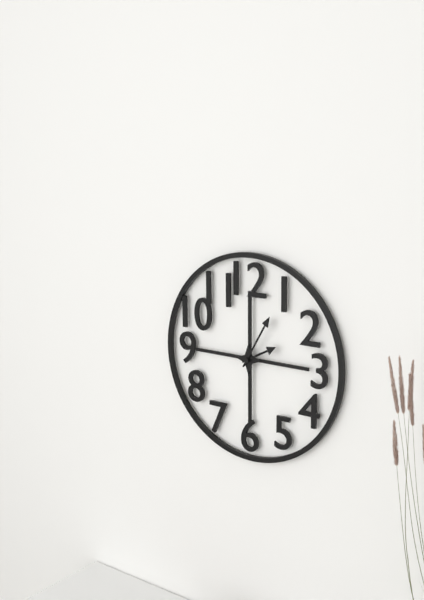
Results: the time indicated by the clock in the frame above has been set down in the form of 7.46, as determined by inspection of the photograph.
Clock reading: 2.05
